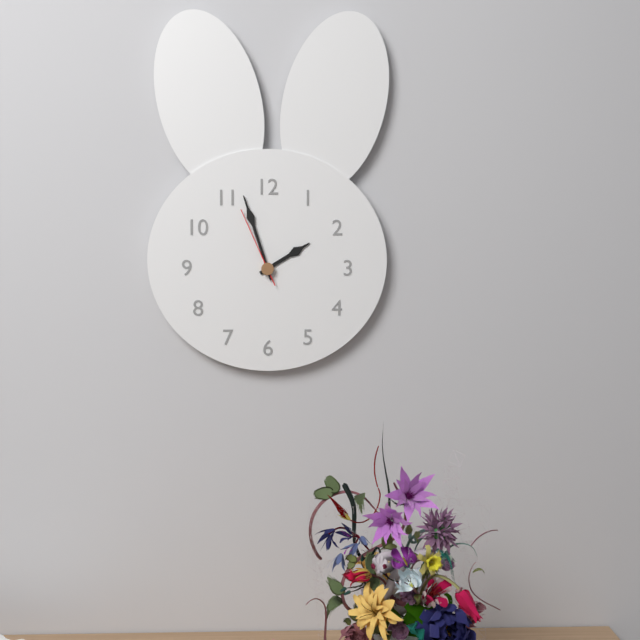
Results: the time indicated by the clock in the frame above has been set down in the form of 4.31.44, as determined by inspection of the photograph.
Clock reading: 1.57.56
